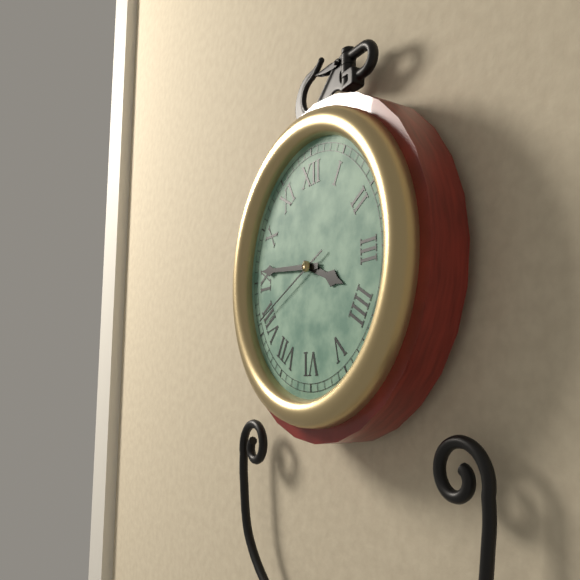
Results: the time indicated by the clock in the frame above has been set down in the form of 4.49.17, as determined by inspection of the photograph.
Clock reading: 3.46.41
